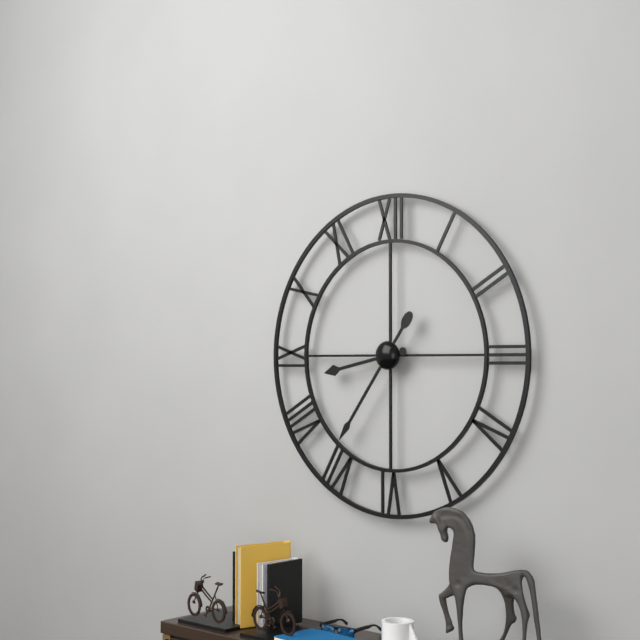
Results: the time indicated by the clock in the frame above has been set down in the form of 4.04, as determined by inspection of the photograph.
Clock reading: 8.36
